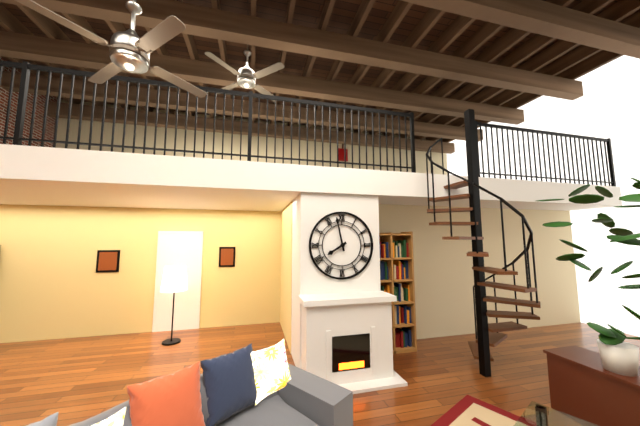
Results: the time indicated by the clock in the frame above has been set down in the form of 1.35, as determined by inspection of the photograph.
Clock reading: 7.58
